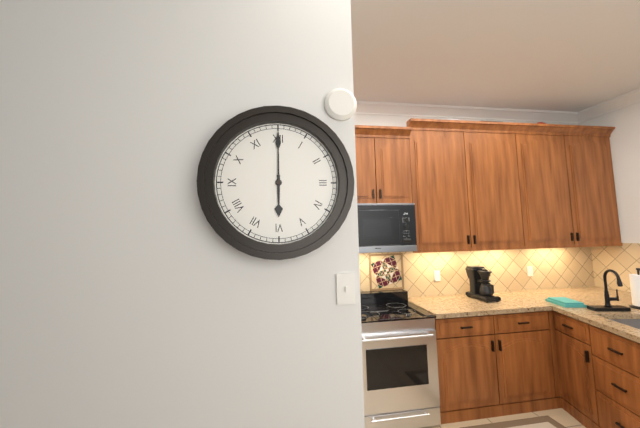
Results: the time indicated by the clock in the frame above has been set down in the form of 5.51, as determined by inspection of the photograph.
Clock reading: 6.00
